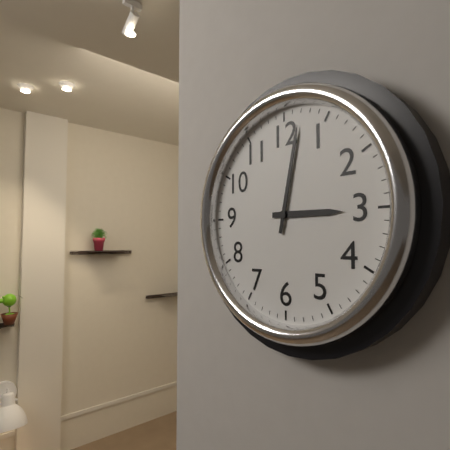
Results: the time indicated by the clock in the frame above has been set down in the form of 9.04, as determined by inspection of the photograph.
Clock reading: 3.02
